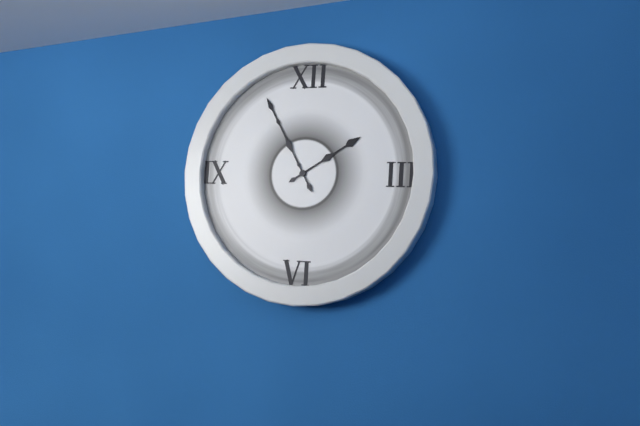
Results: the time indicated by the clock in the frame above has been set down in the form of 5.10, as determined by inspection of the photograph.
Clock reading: 1.55
